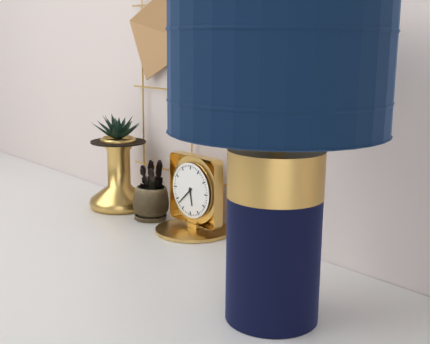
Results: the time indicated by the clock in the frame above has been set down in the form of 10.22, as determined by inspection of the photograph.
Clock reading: 5.38
